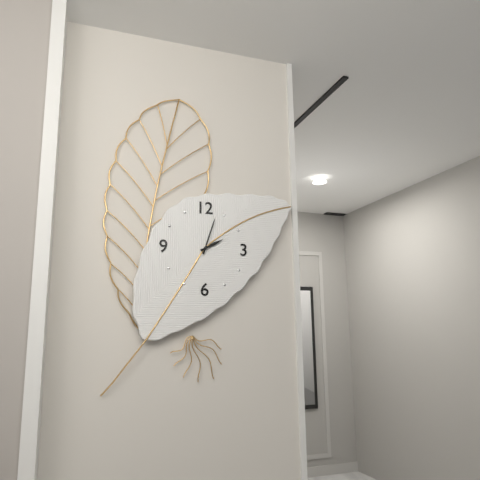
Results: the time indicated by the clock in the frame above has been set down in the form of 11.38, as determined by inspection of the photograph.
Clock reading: 2.03
